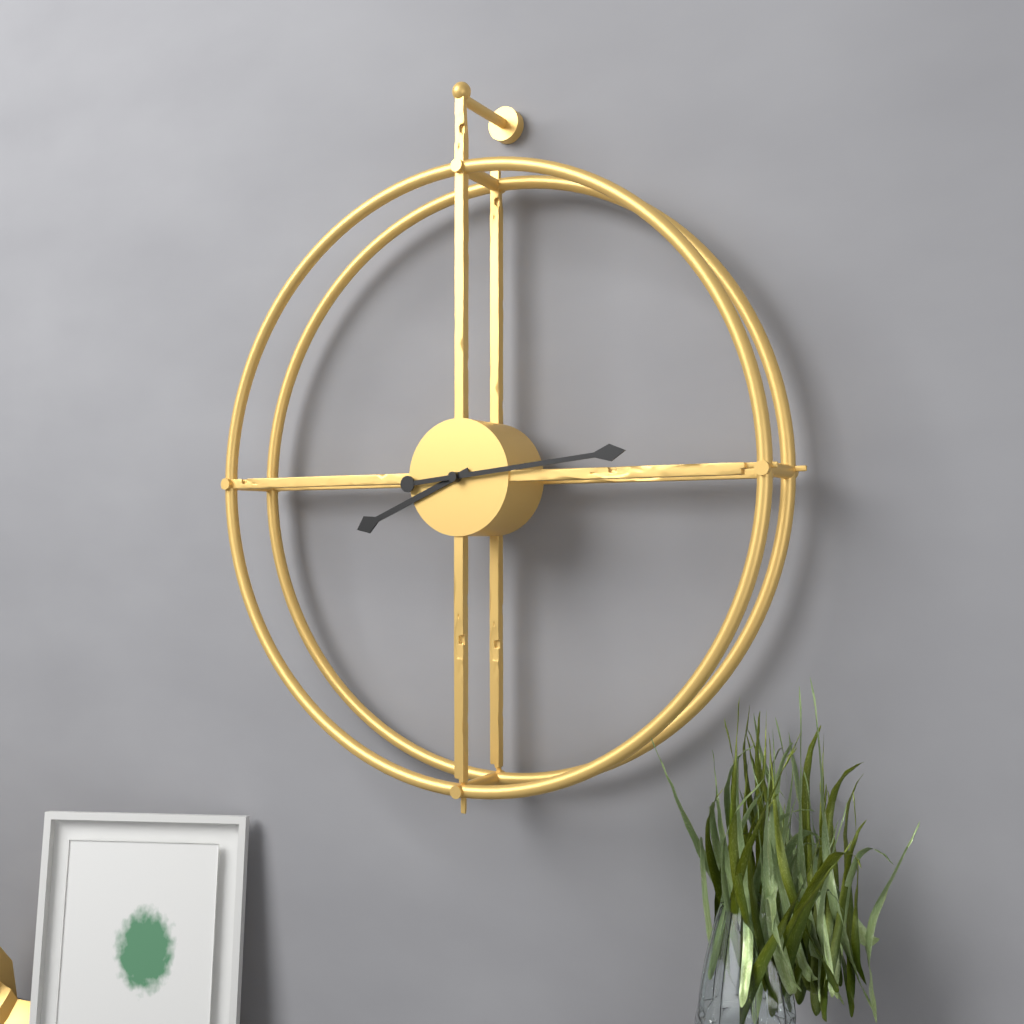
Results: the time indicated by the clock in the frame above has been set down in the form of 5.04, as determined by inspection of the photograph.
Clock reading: 8.14
